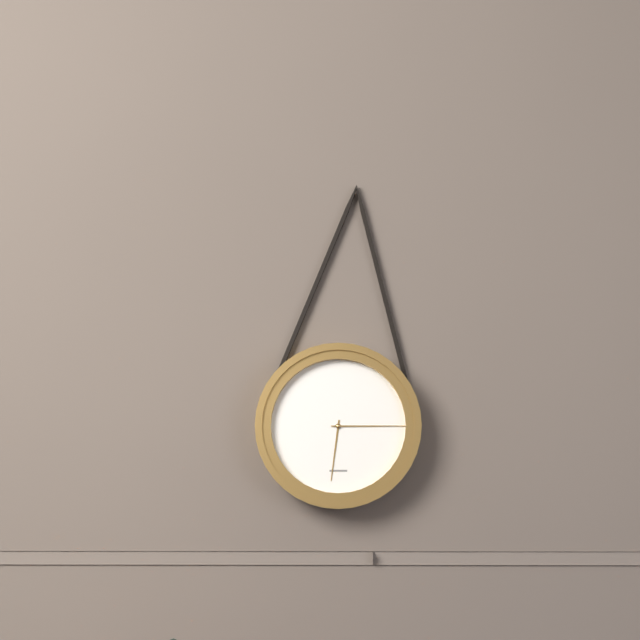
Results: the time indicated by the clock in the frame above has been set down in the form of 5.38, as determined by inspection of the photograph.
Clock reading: 6.15
